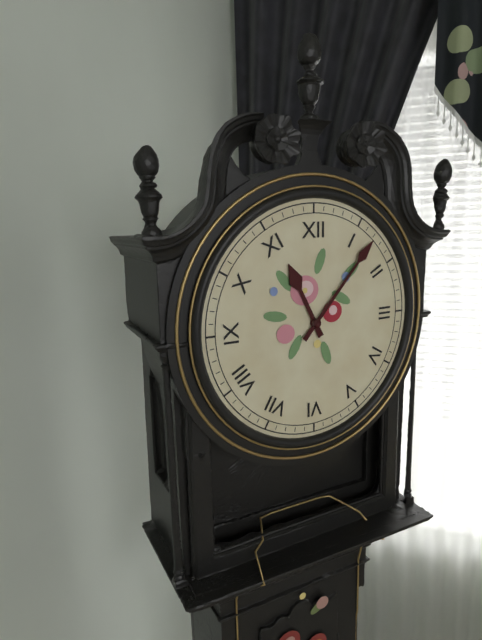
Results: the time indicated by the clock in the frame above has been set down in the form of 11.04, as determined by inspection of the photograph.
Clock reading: 11.07
